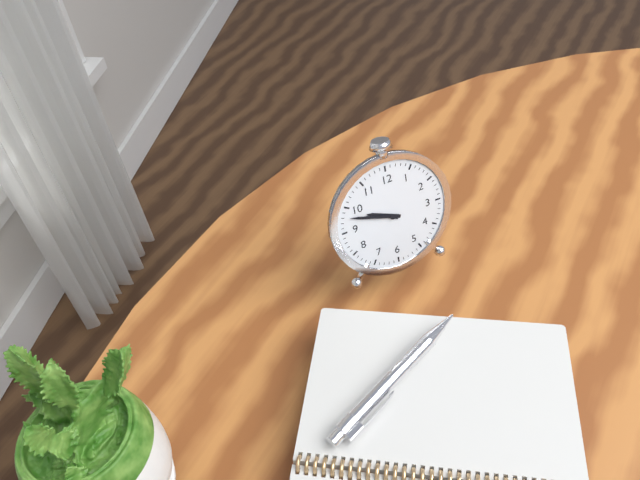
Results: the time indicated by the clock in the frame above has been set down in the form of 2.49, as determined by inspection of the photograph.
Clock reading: 9.48
